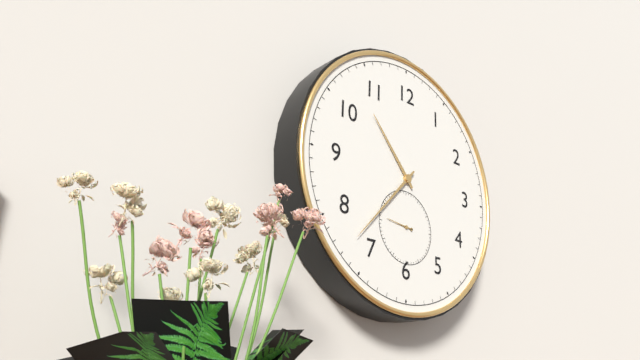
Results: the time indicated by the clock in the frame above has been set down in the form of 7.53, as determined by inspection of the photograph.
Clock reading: 10.37
